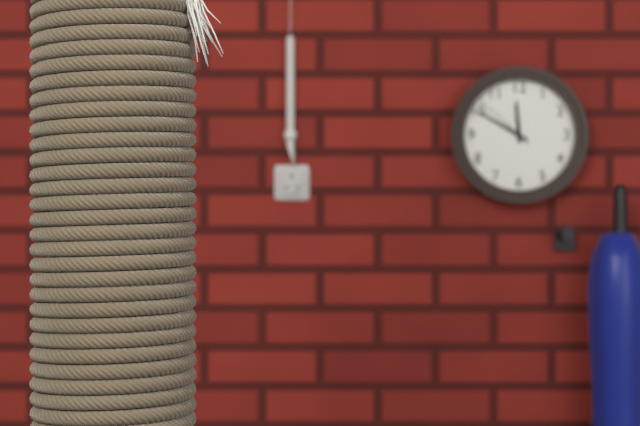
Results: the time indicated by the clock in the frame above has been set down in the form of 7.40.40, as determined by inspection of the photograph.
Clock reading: 11.50.52
